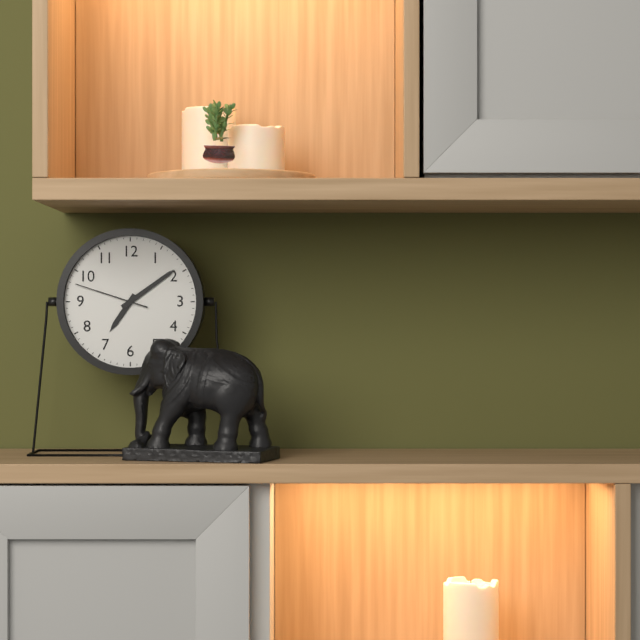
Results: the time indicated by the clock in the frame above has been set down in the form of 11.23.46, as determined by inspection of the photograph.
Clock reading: 7.09.48
